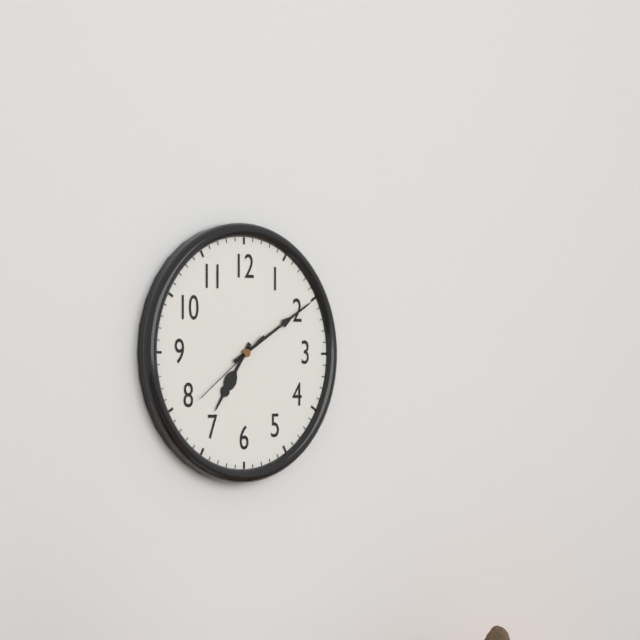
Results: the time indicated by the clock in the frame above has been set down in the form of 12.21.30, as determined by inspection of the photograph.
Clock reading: 7.10.39
